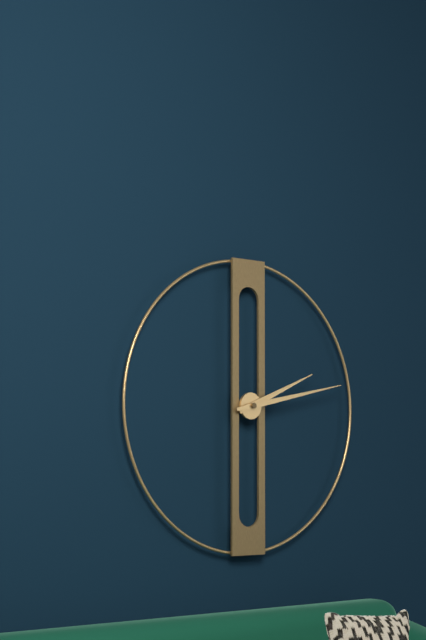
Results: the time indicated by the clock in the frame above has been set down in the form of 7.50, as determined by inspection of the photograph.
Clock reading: 2.13
